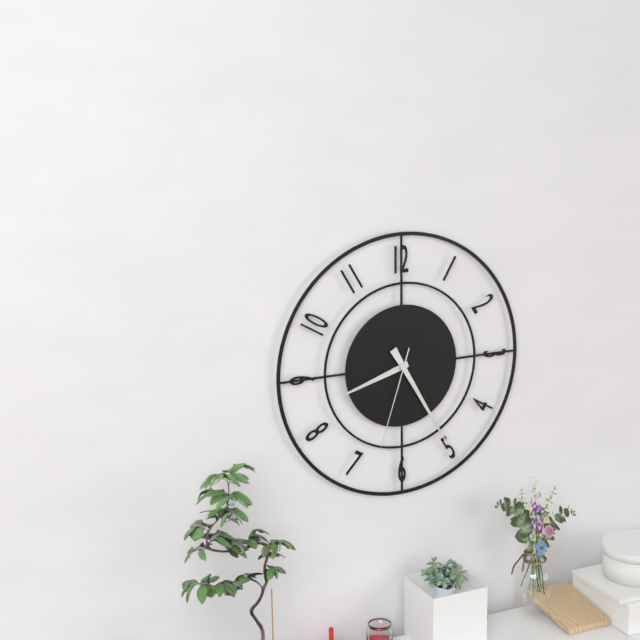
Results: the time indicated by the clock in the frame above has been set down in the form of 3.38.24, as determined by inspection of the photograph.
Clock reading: 8.25.33
